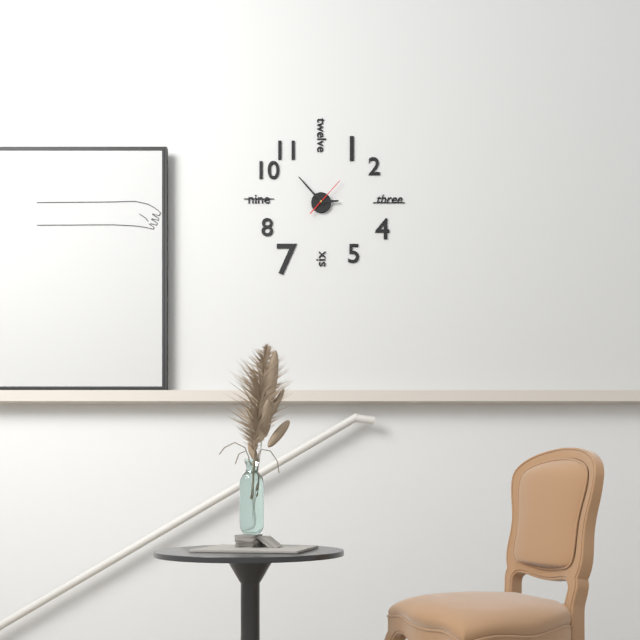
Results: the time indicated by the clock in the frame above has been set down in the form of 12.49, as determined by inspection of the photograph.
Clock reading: 2.53
